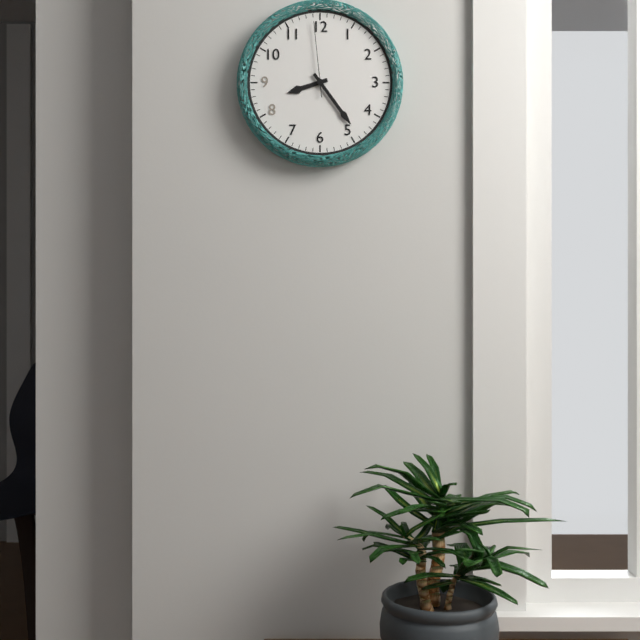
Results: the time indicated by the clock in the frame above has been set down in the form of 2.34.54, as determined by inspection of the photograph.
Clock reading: 8.24.59
